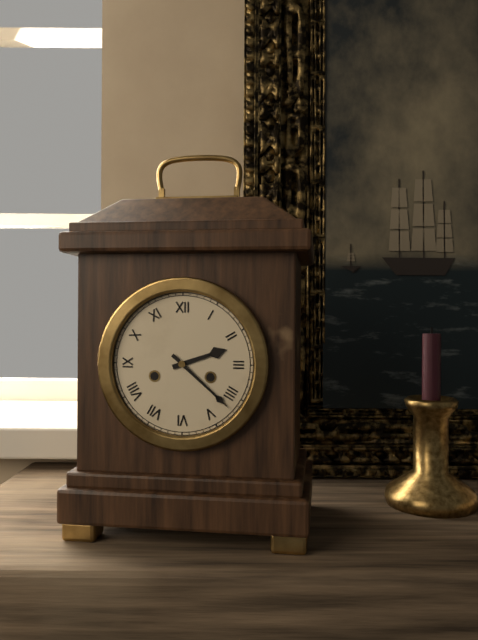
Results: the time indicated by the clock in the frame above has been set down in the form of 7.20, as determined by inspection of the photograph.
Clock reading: 2.22
